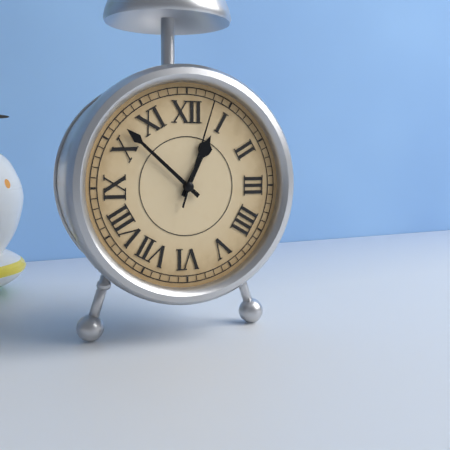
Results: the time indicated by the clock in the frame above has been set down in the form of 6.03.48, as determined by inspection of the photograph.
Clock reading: 12.52.03
